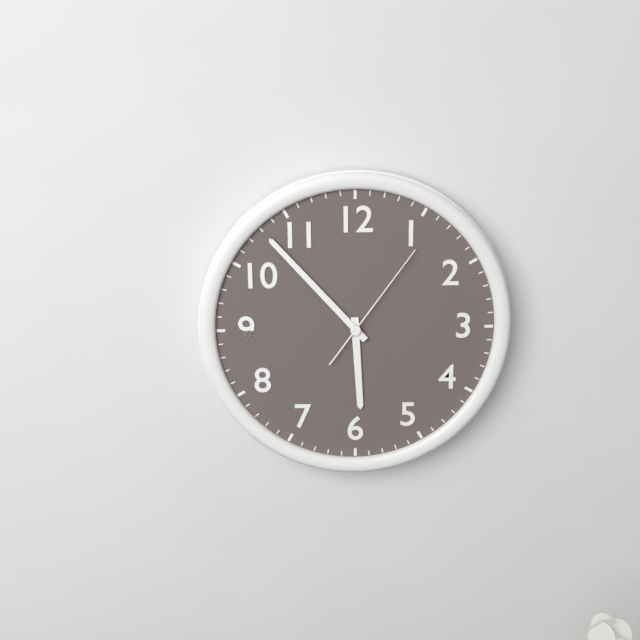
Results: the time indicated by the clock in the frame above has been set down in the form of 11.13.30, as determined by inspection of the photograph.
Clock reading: 5.53.06
